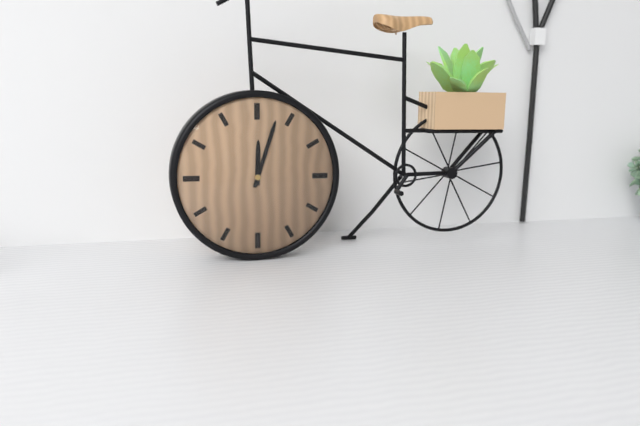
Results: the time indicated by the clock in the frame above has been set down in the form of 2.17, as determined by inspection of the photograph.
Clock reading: 12.03
